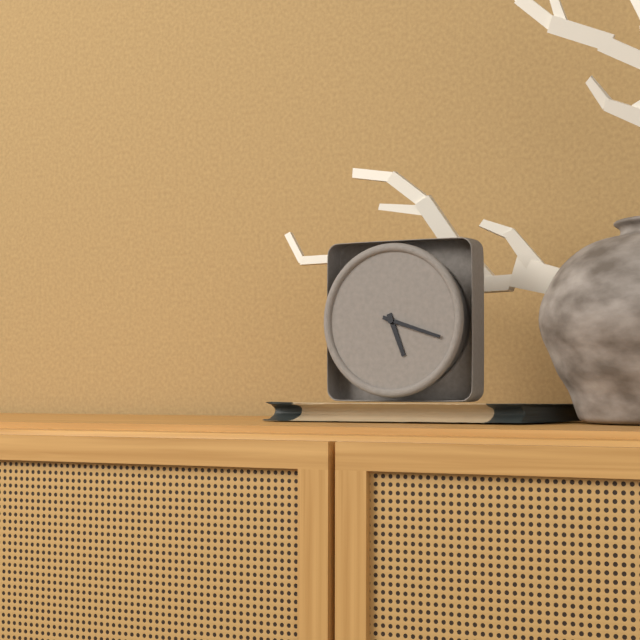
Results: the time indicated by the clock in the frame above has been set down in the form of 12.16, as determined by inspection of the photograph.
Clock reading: 5.18
